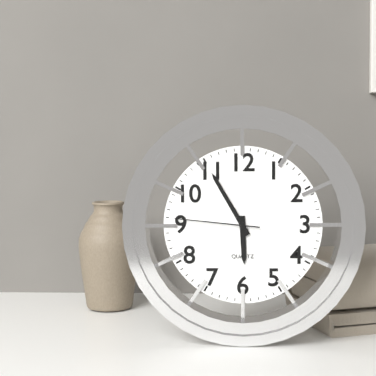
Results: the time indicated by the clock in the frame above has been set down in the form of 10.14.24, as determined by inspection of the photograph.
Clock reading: 5.55.46
